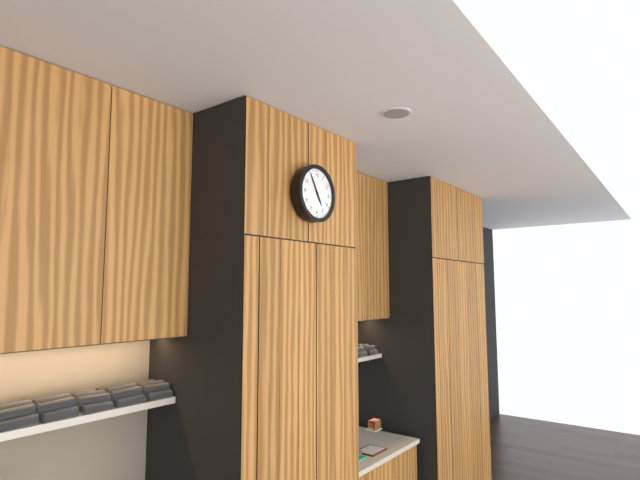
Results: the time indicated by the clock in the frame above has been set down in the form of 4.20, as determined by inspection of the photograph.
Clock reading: 4.55
